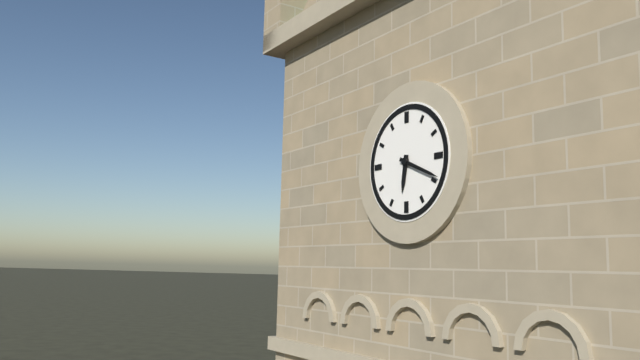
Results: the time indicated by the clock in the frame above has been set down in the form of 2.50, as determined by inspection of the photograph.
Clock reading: 6.19
